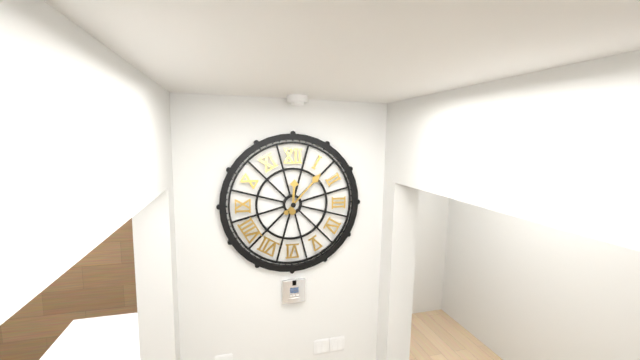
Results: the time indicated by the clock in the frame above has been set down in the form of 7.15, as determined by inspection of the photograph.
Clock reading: 12.07
